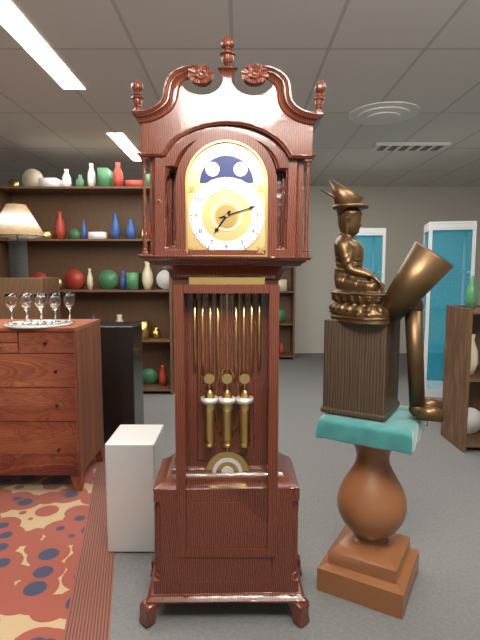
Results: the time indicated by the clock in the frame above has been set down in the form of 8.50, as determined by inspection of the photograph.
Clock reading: 7.12
